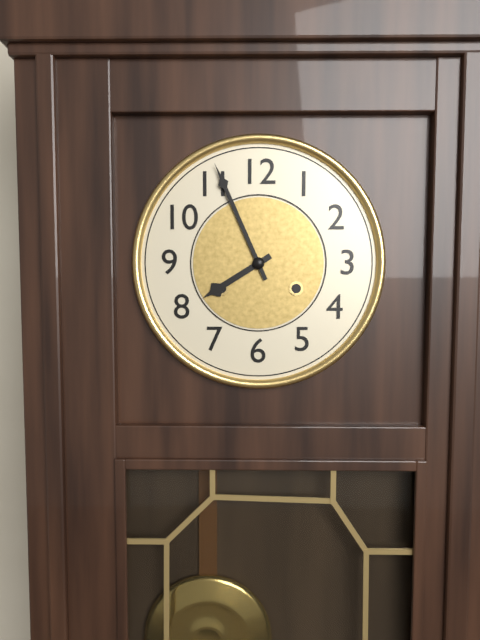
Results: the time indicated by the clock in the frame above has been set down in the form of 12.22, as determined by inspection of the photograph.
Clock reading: 7.56
